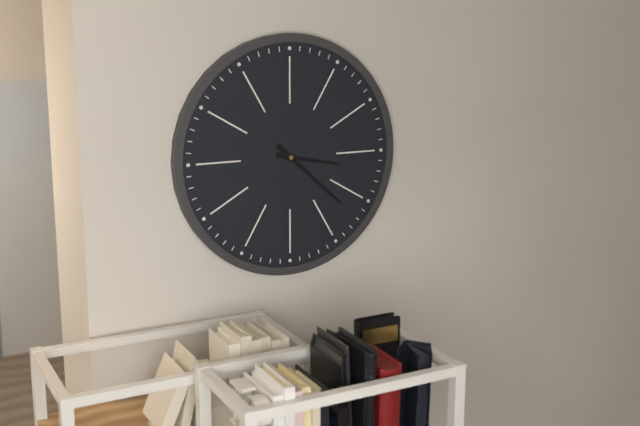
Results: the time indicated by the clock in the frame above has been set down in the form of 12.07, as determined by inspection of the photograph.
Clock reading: 3.22
